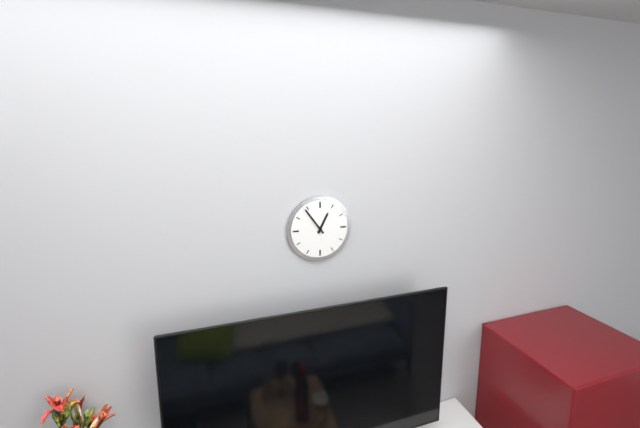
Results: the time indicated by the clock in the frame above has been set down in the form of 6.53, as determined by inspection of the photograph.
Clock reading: 12.54
